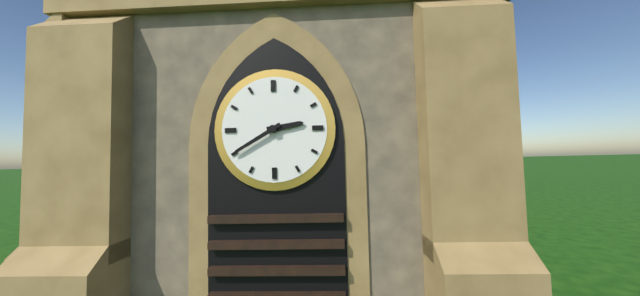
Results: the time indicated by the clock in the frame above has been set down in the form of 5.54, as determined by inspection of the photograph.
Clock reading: 2.40
